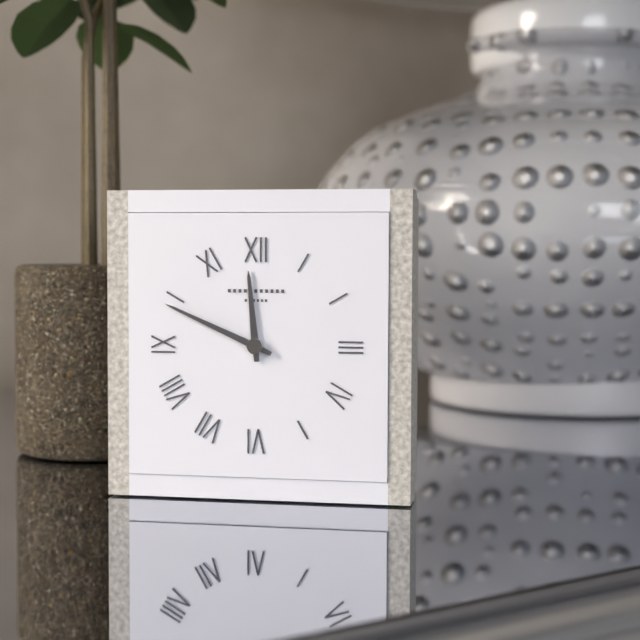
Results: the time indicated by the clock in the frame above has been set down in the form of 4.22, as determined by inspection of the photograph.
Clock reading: 11.49
